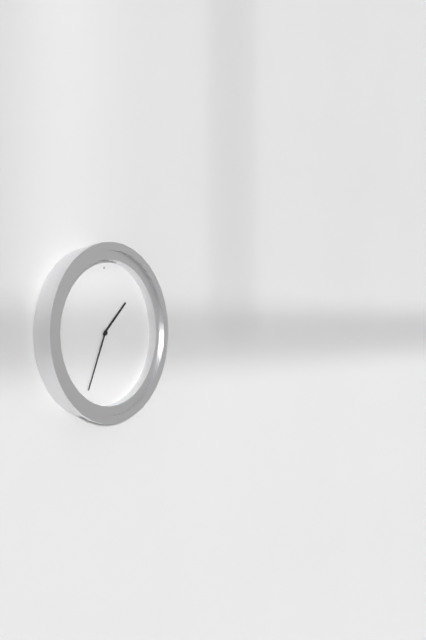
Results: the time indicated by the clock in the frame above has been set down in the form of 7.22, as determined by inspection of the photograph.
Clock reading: 1.34
